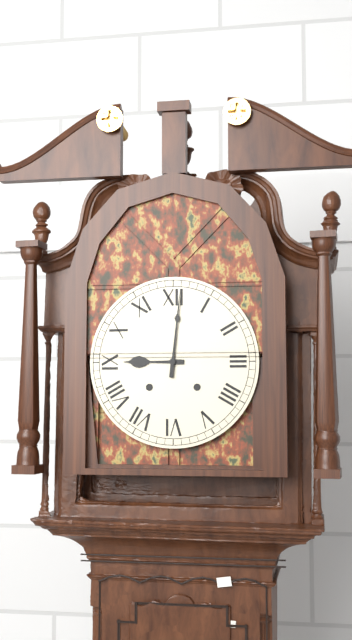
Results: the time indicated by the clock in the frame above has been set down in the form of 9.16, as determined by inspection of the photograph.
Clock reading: 9.01
